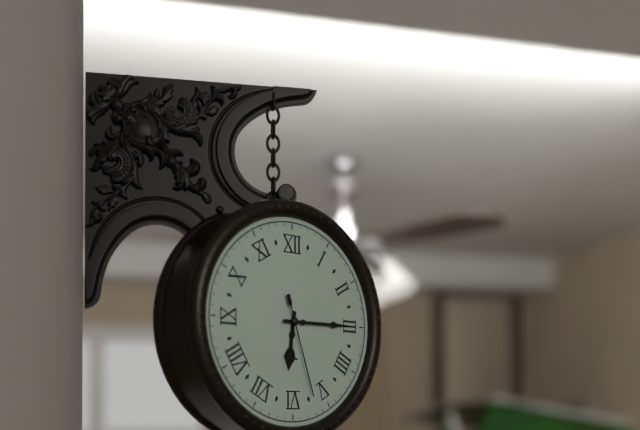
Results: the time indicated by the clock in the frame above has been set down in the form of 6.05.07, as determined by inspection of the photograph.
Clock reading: 6.15.27
